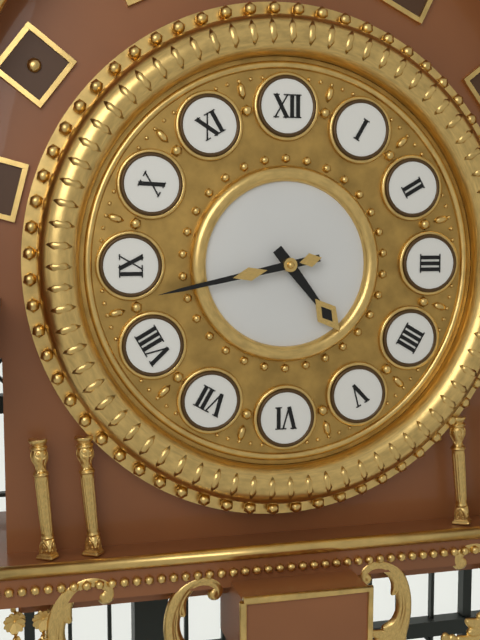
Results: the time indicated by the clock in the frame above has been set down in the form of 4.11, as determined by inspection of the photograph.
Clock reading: 4.43
